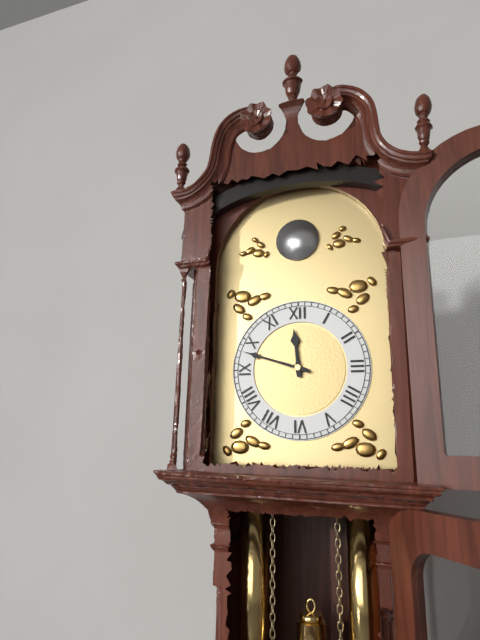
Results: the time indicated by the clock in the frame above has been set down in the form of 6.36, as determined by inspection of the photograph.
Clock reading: 11.48
